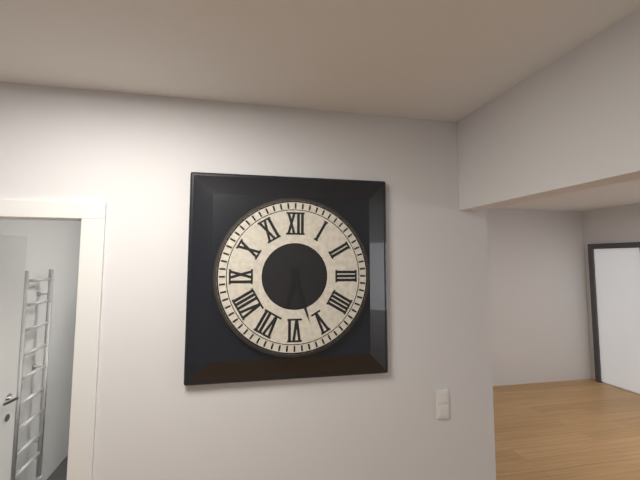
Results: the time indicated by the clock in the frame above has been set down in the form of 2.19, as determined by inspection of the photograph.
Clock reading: 6.27
